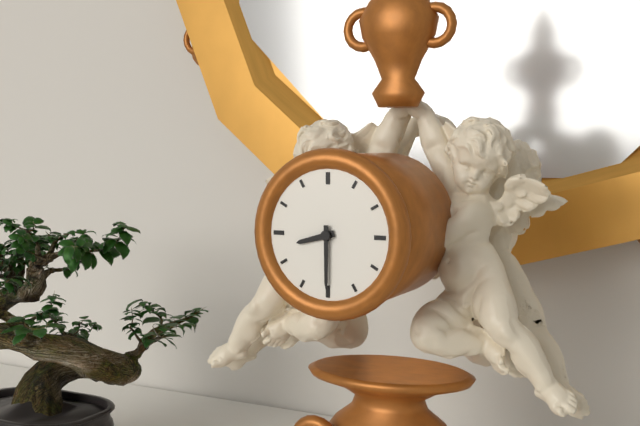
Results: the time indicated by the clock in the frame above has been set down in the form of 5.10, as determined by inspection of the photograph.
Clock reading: 8.30
